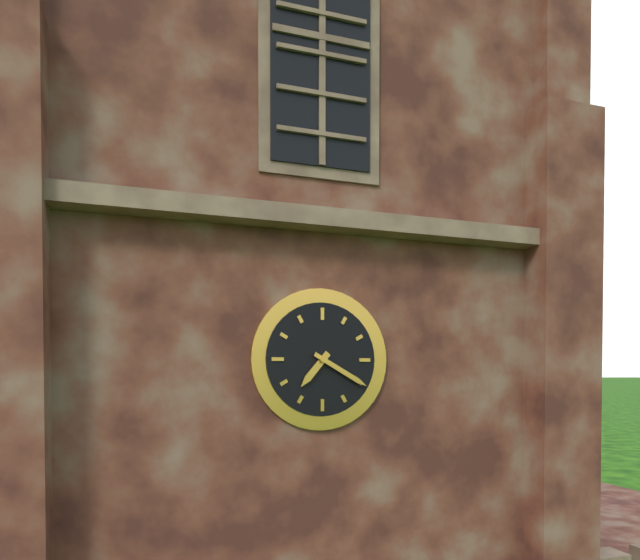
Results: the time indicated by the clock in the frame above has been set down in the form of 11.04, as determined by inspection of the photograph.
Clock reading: 7.20
